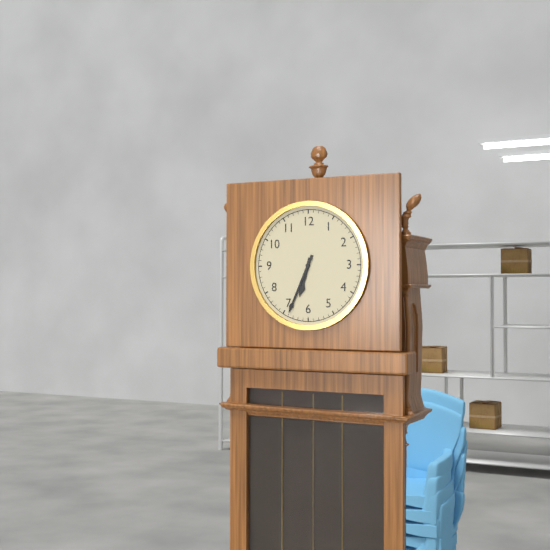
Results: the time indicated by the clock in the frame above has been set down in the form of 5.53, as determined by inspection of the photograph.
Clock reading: 6.34
